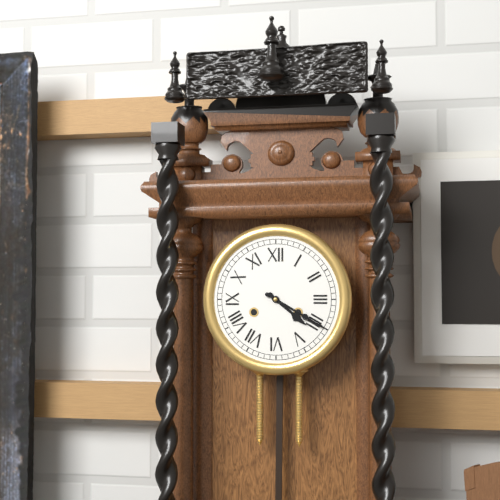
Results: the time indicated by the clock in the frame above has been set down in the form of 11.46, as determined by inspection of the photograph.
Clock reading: 4.20
